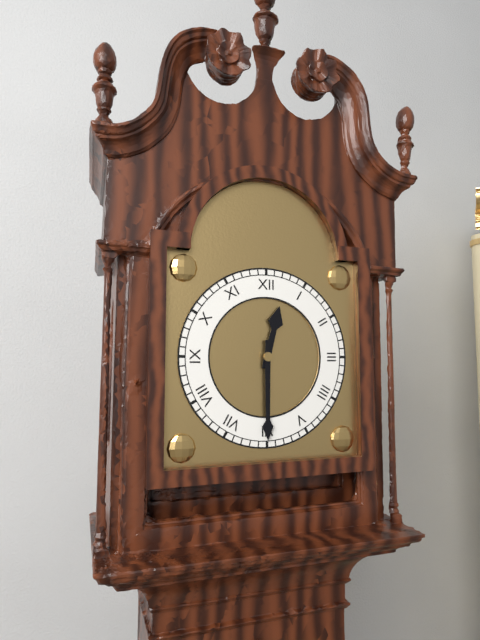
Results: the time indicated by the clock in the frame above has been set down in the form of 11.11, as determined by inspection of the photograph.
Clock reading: 12.30
